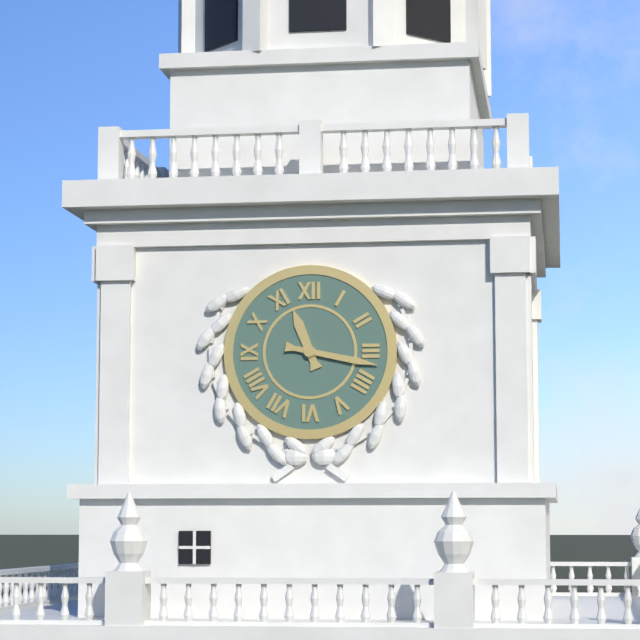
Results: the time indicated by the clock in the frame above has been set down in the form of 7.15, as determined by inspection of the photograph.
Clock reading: 11.17
